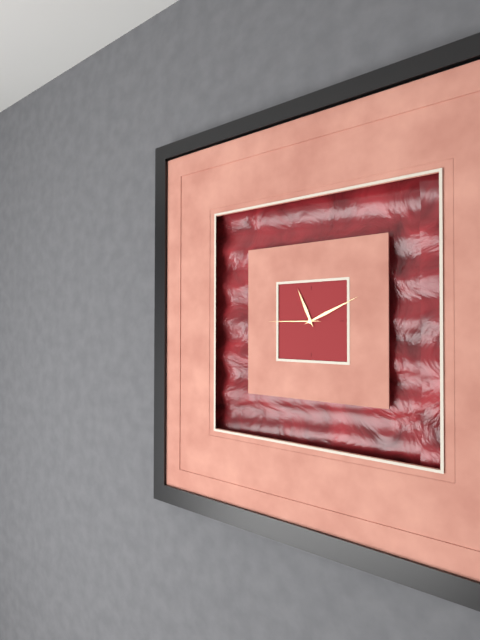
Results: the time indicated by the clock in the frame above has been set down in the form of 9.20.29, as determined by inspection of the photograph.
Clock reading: 11.11.45
